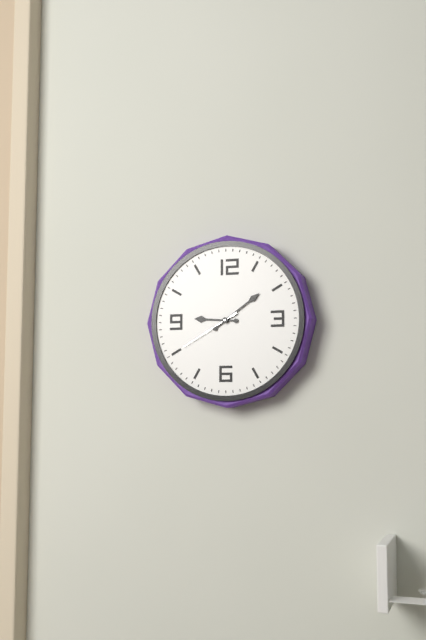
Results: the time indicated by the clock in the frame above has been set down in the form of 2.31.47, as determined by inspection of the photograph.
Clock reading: 9.09.40
